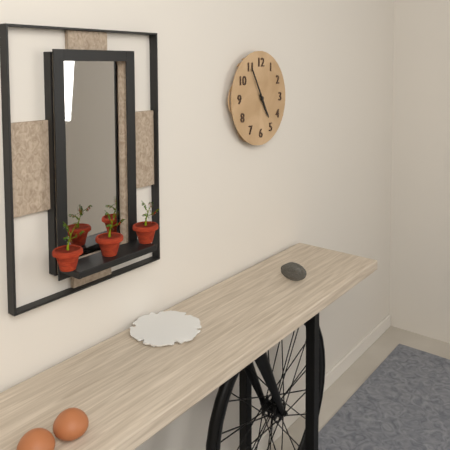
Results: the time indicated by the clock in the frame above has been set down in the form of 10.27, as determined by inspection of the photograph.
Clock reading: 4.55
